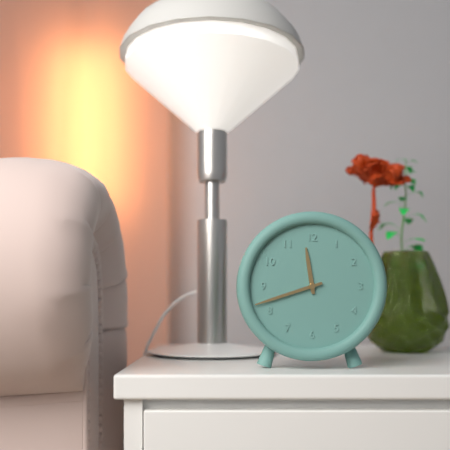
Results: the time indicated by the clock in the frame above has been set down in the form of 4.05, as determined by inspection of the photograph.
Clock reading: 11.42
